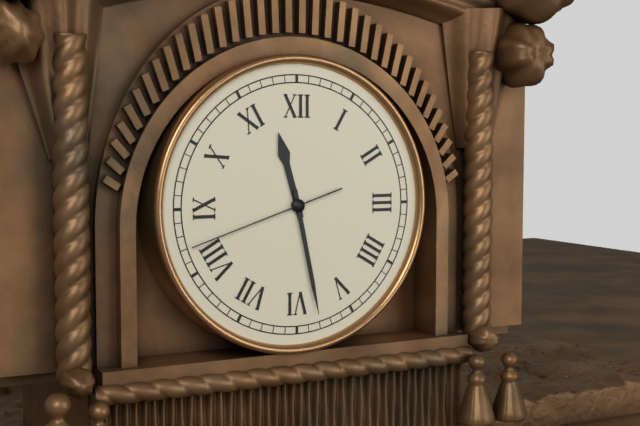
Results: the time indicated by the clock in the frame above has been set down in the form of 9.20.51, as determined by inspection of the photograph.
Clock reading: 11.28.42
